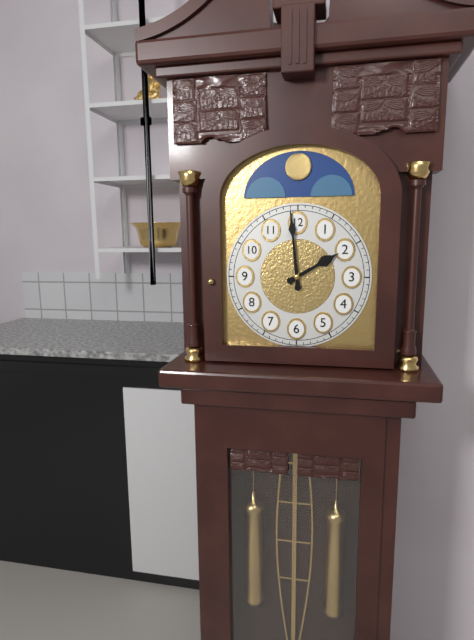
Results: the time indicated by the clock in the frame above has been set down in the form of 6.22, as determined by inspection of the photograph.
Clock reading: 1.59
